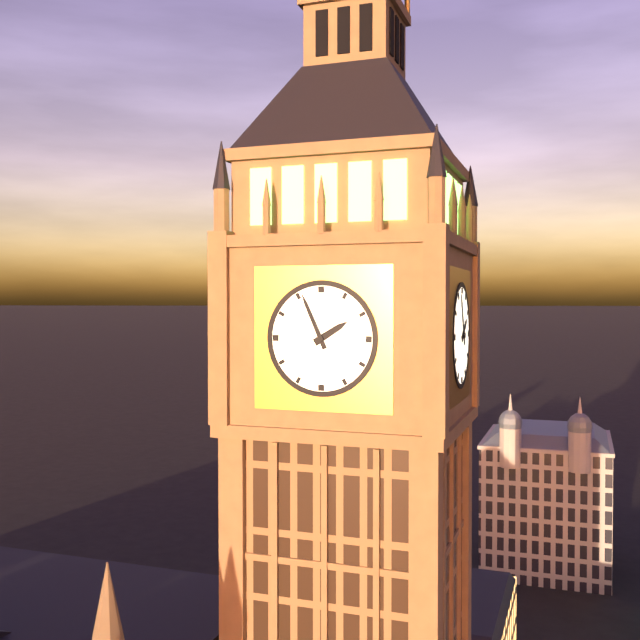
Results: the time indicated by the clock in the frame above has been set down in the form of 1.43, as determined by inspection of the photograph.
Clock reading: 1.56
